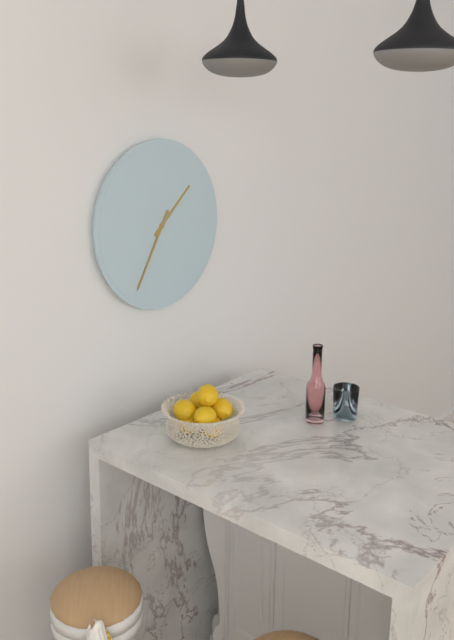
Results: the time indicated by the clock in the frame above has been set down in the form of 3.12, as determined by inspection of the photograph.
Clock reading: 1.35
